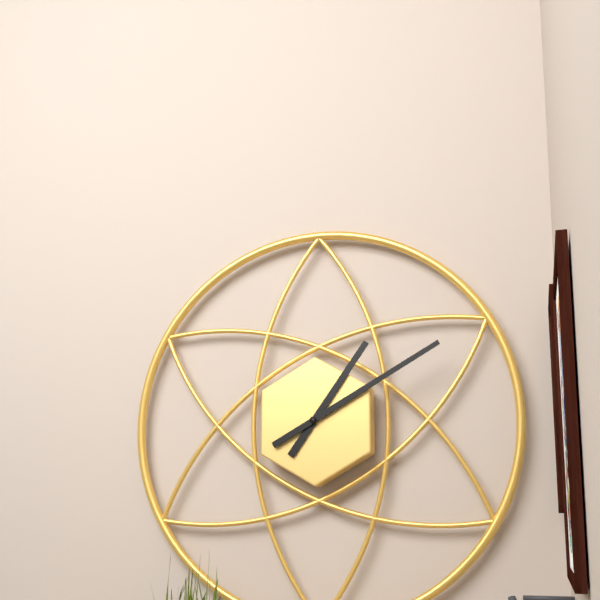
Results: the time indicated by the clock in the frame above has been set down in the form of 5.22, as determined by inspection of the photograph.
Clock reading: 1.10
